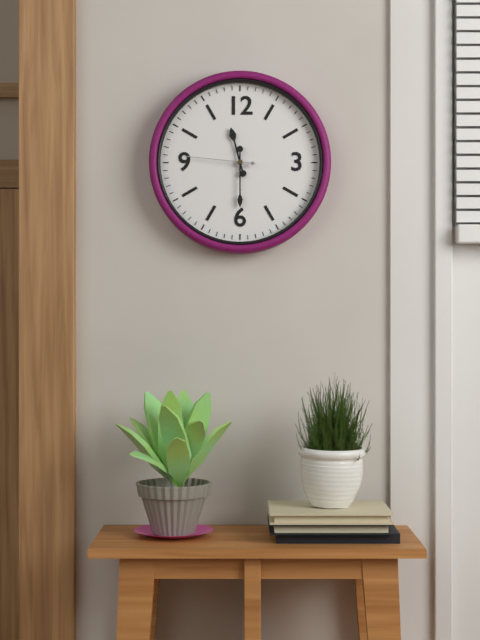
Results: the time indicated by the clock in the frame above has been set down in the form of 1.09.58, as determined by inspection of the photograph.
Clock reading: 11.30.46
